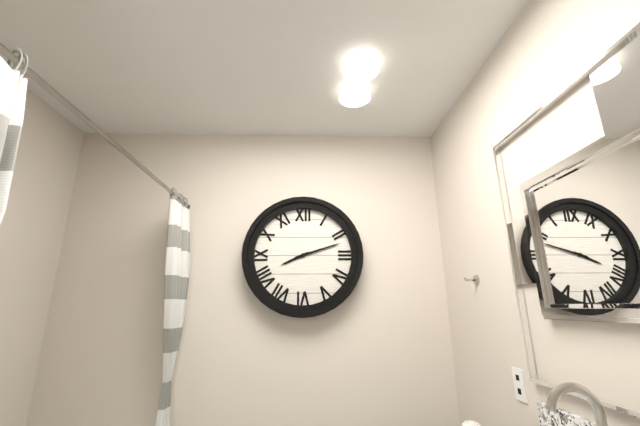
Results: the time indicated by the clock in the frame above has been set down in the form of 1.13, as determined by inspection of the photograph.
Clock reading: 8.12
